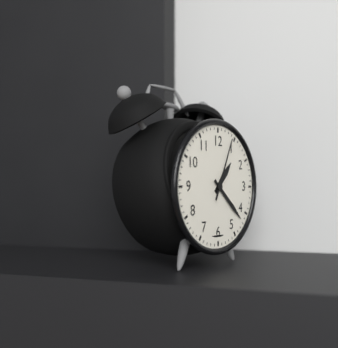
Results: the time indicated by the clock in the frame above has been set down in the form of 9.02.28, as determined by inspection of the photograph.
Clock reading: 1.22.04
